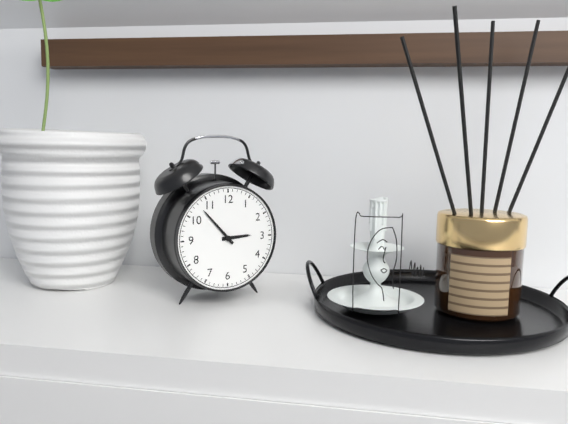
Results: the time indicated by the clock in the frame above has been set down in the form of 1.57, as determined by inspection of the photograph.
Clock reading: 2.53
